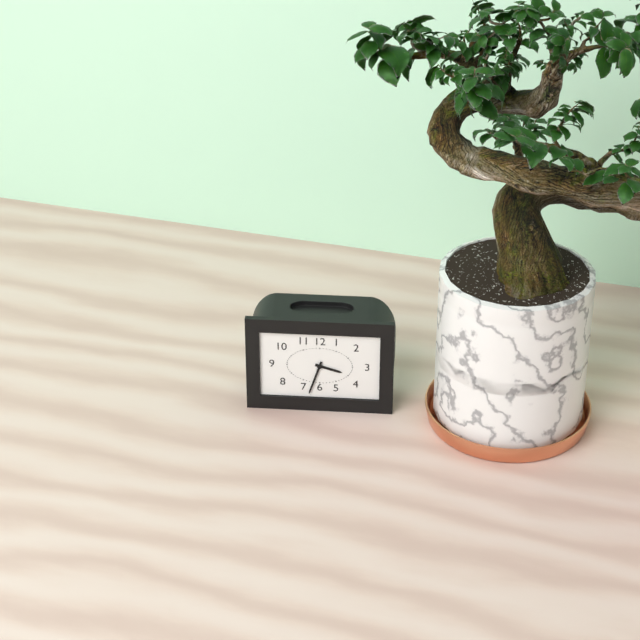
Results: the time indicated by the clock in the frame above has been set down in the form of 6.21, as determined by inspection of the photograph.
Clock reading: 3.33
